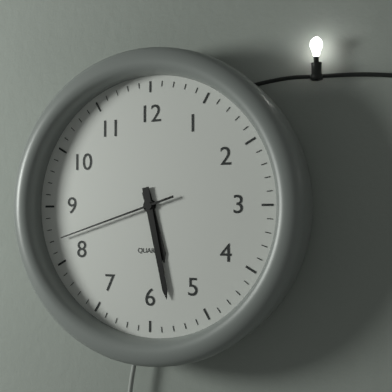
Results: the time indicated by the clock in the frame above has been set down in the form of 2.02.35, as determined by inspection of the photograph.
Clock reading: 5.28.42
